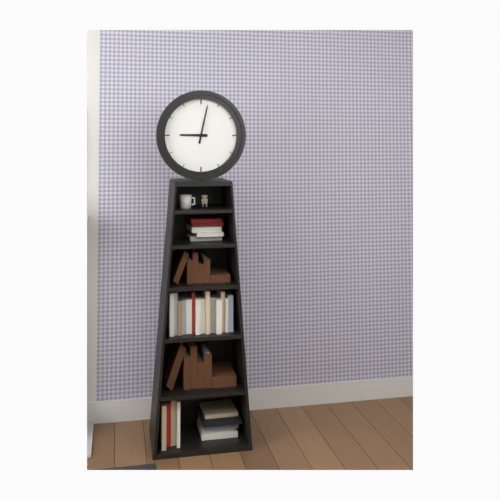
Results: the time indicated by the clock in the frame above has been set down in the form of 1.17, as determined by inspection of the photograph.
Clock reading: 9.02
